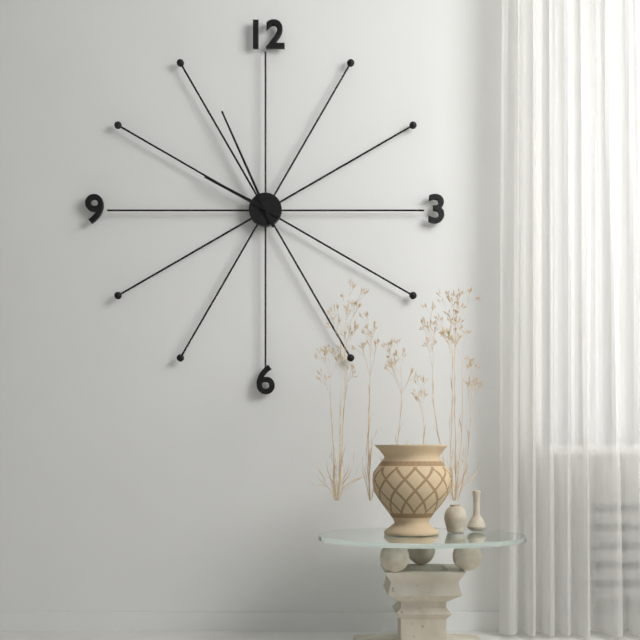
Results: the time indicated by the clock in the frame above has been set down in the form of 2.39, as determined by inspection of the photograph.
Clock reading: 9.56
